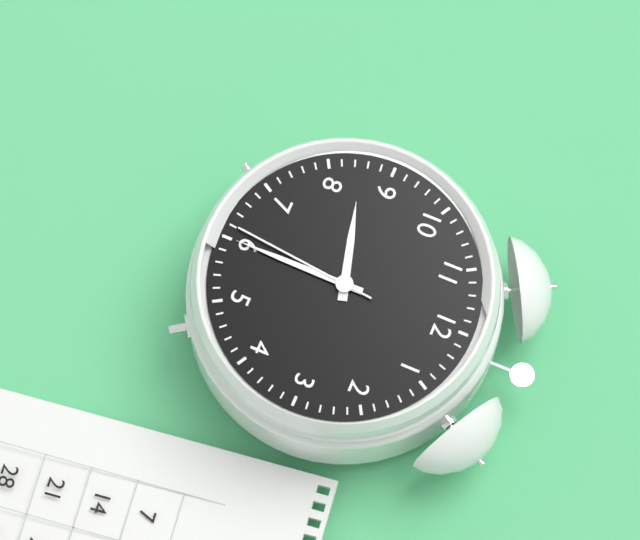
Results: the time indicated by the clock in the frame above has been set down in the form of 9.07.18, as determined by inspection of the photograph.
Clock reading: 8.30.31
